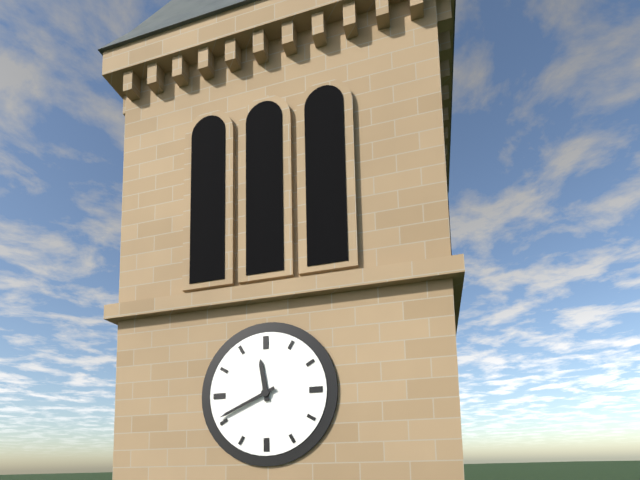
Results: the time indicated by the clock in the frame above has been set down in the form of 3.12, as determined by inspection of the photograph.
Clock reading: 11.41
